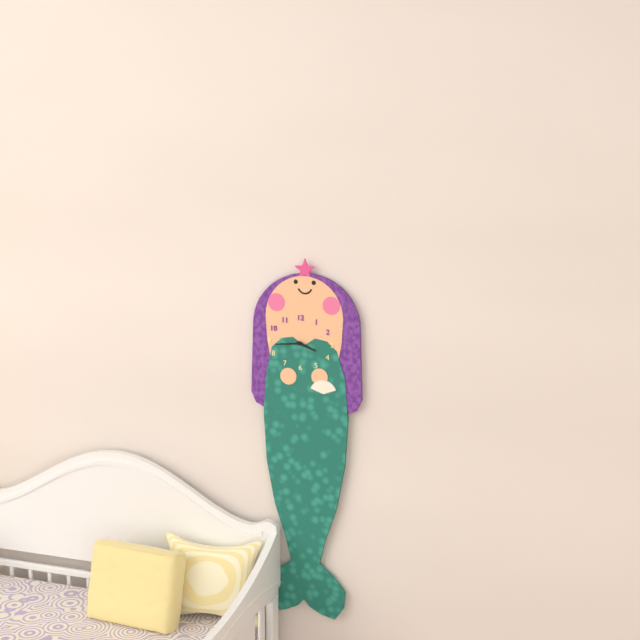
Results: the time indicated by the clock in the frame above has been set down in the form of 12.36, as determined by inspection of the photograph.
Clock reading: 3.44
